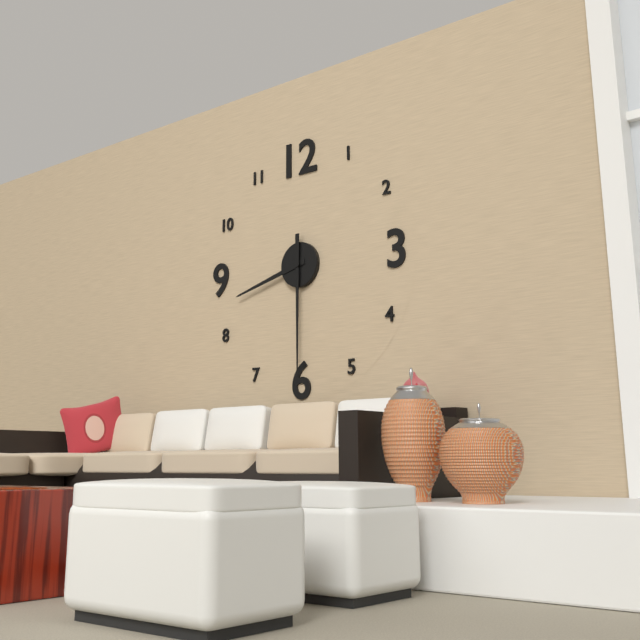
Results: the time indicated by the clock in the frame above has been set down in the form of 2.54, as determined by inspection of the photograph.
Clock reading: 8.30
